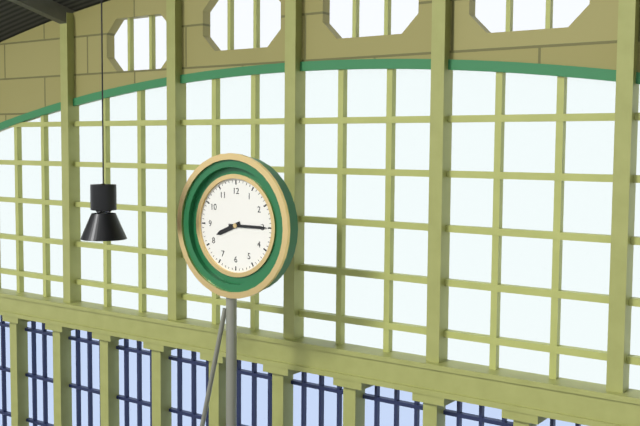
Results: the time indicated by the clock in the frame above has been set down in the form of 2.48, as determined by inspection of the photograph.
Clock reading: 8.15
